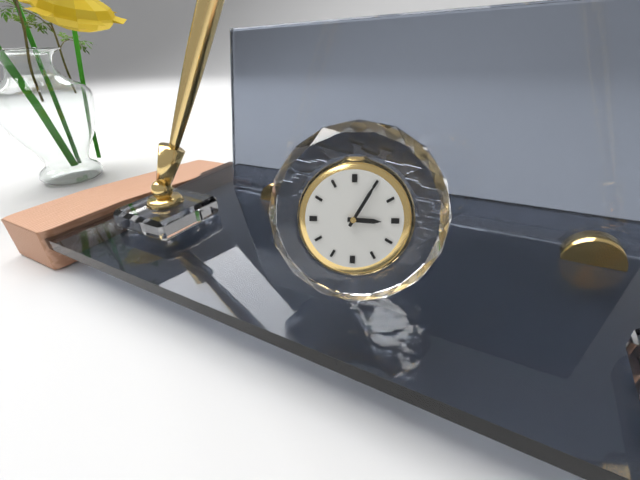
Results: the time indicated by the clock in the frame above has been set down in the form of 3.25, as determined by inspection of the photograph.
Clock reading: 3.05
